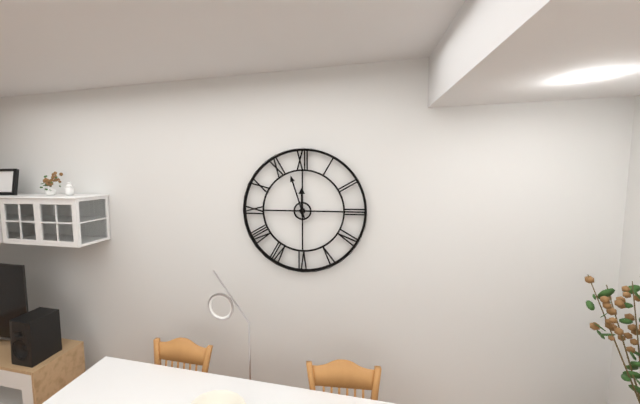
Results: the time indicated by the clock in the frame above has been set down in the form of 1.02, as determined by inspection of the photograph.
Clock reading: 11.57
